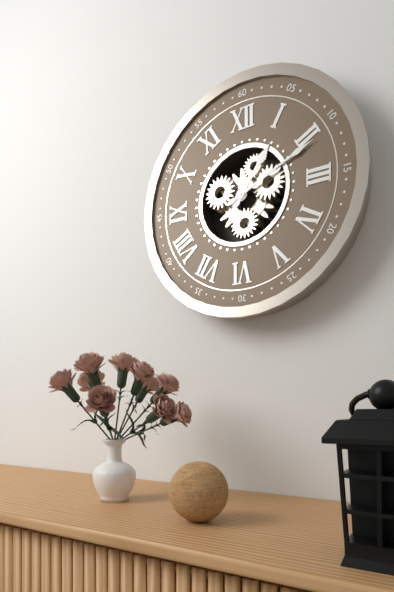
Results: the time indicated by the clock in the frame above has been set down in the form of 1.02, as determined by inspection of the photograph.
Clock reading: 1.11
